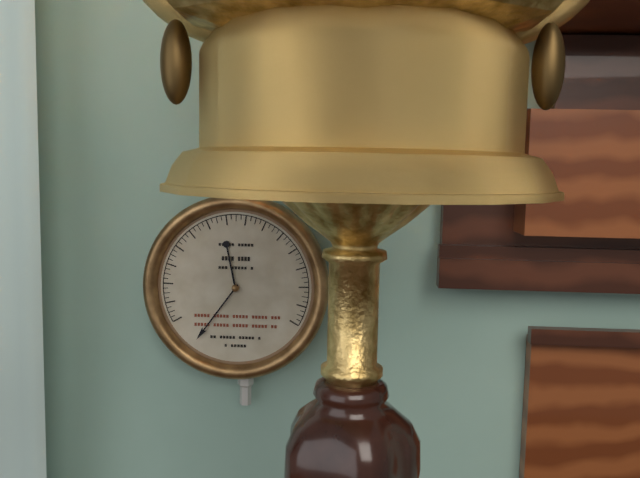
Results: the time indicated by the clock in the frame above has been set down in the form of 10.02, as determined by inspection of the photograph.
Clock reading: 11.36
